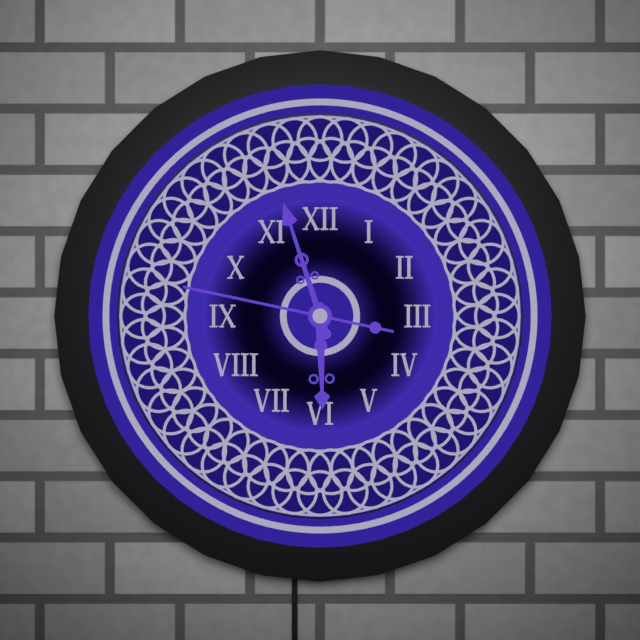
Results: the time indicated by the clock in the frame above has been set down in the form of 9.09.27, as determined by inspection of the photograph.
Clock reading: 5.57.47
